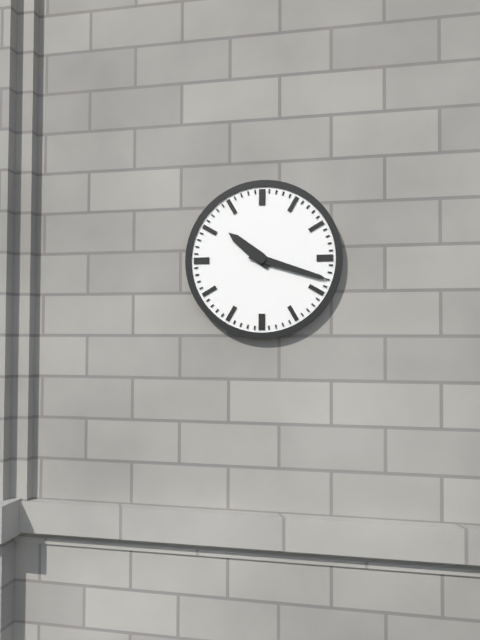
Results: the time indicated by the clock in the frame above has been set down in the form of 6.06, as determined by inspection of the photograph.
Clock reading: 10.18
